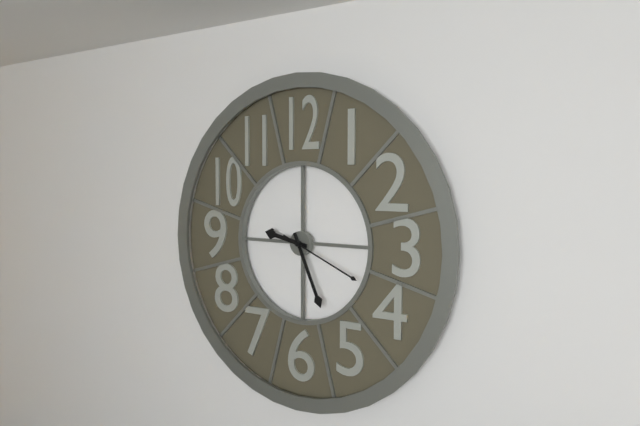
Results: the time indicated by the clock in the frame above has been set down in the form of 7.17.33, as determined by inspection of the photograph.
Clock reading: 9.26.19
